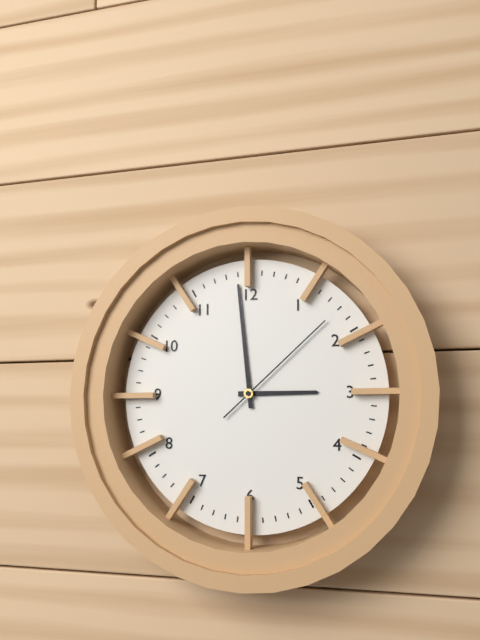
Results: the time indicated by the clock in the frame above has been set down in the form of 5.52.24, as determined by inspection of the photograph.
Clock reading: 2.59.08
